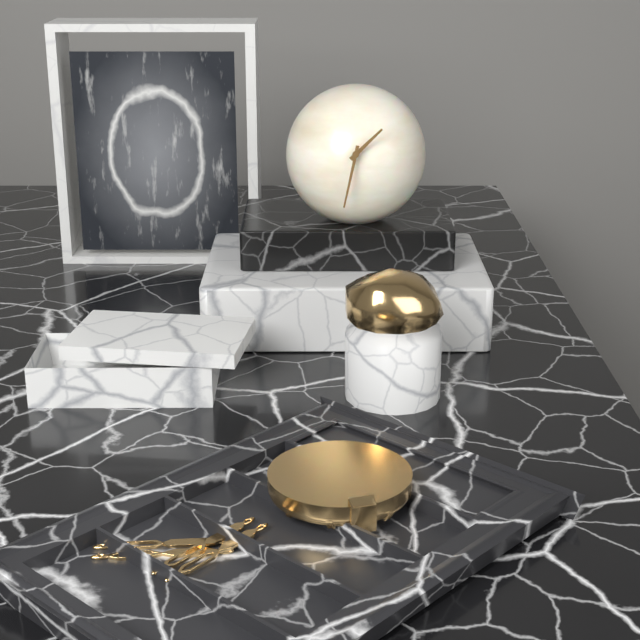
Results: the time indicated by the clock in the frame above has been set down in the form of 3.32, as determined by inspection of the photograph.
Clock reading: 1.32
